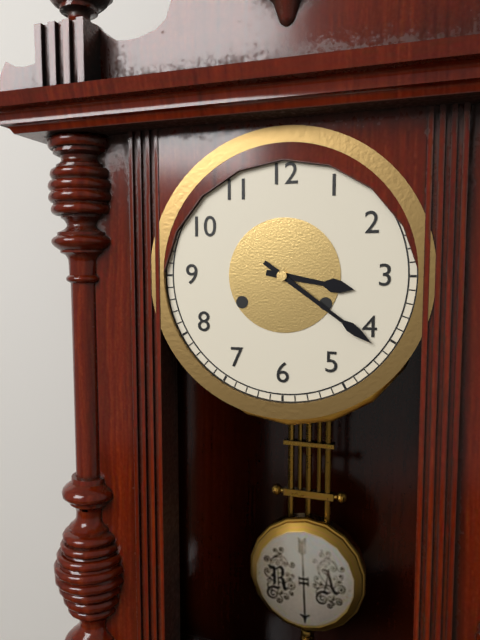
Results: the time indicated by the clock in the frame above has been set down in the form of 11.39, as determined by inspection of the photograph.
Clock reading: 3.21
